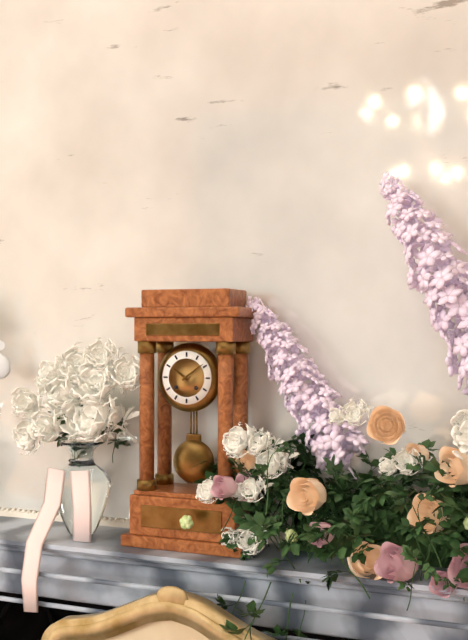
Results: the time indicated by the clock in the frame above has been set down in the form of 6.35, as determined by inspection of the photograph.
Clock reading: 10.09
